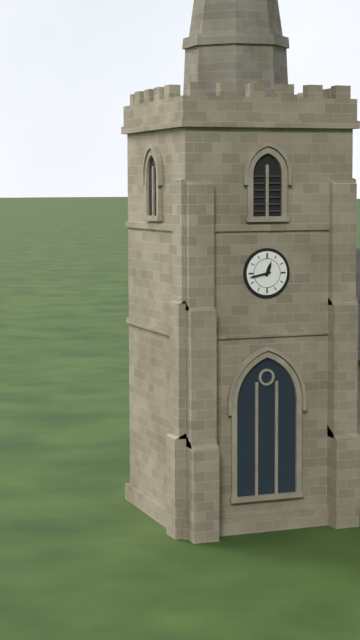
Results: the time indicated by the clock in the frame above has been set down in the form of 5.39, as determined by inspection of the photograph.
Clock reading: 12.43
